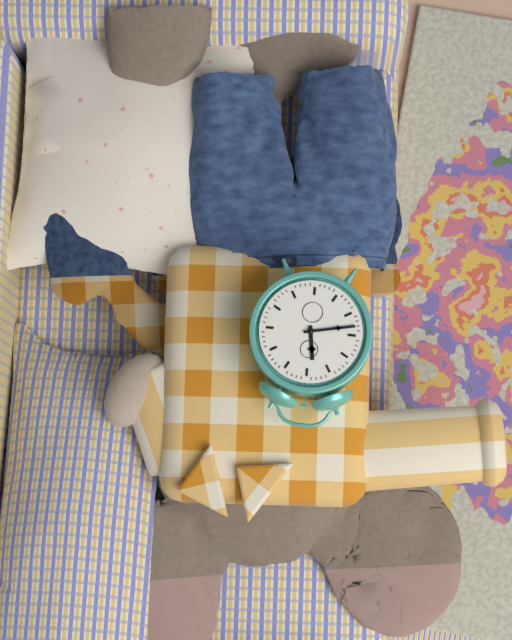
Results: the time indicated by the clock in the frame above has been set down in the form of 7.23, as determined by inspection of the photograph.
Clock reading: 11.43
